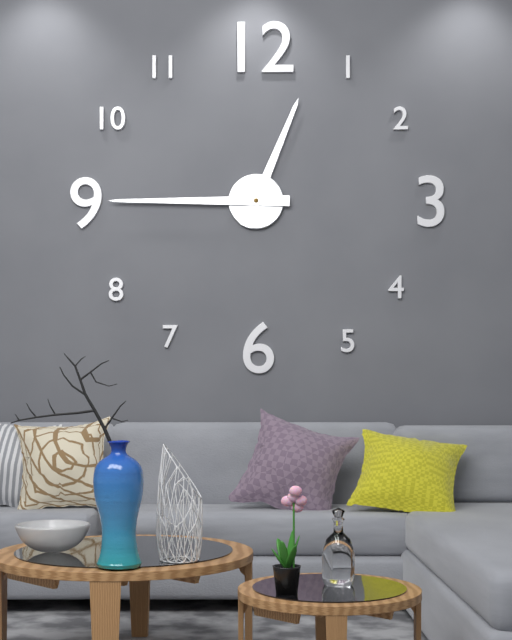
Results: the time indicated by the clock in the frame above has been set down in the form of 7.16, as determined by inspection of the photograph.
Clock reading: 12.45
